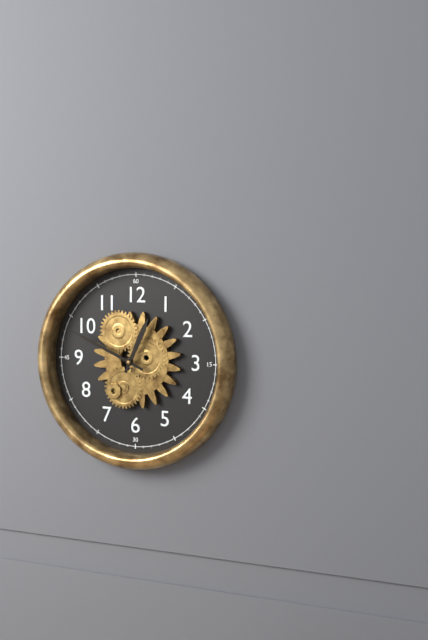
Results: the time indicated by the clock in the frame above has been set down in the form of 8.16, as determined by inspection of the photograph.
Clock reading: 12.49
